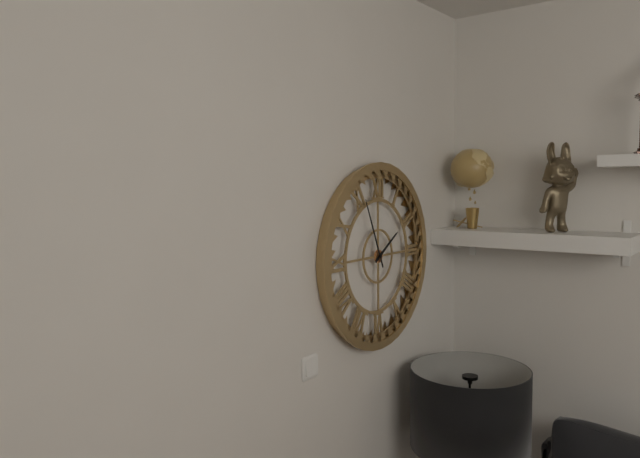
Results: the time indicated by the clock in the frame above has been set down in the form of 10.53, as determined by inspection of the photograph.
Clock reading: 1.56
